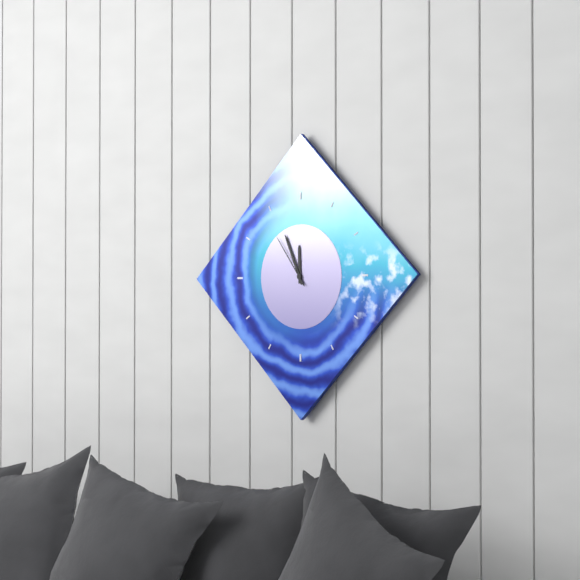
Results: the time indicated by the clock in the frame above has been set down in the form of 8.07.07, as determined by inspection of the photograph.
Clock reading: 11.56.54
